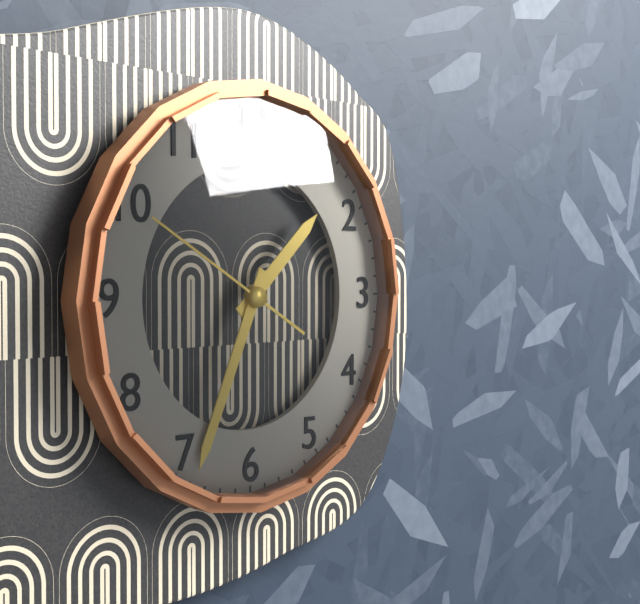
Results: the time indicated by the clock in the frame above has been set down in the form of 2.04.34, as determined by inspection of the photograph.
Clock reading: 1.34.50
